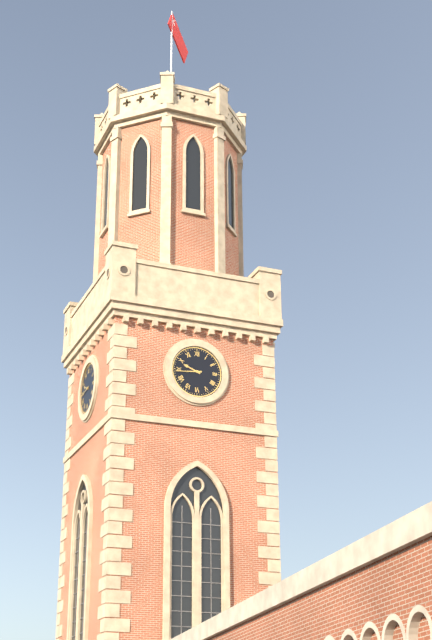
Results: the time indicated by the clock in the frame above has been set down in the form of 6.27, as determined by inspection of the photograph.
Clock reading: 9.44
